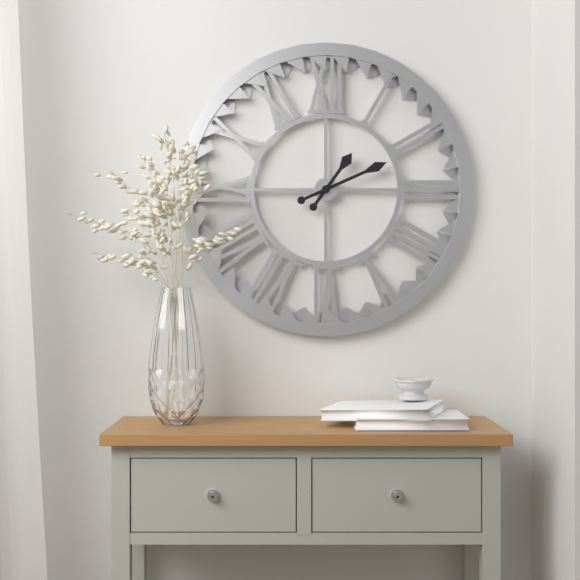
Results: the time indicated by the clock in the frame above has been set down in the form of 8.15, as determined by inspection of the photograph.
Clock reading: 1.11
